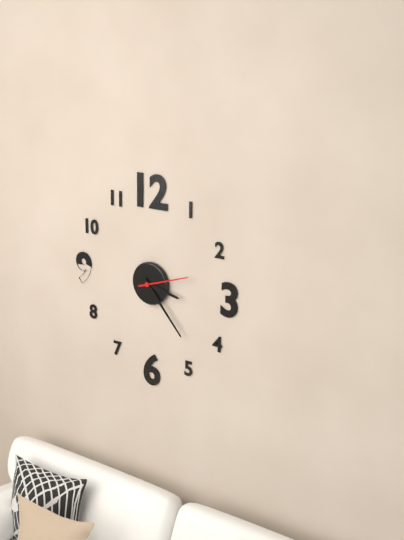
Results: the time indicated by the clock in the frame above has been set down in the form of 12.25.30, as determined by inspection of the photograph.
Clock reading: 3.23.12
